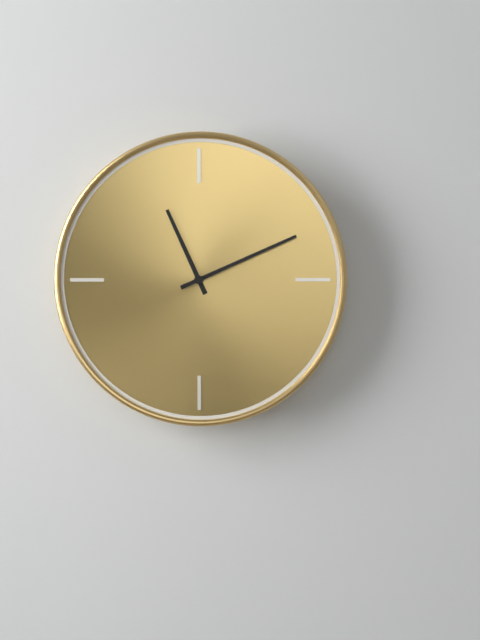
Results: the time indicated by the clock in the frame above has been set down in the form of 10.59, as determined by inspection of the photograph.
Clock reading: 11.11
